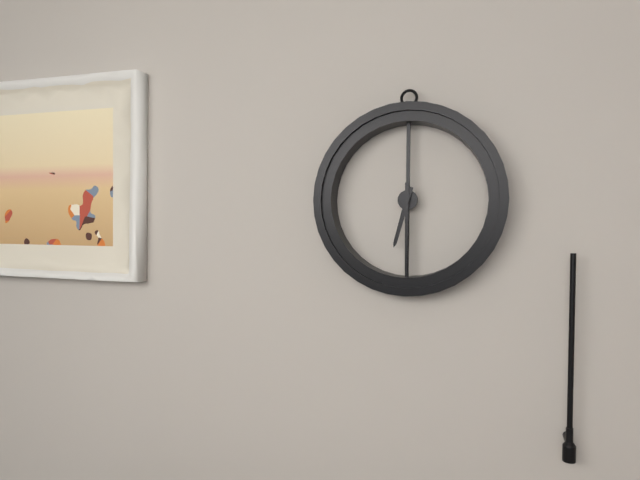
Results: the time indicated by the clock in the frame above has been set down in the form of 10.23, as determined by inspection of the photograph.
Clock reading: 6.30
